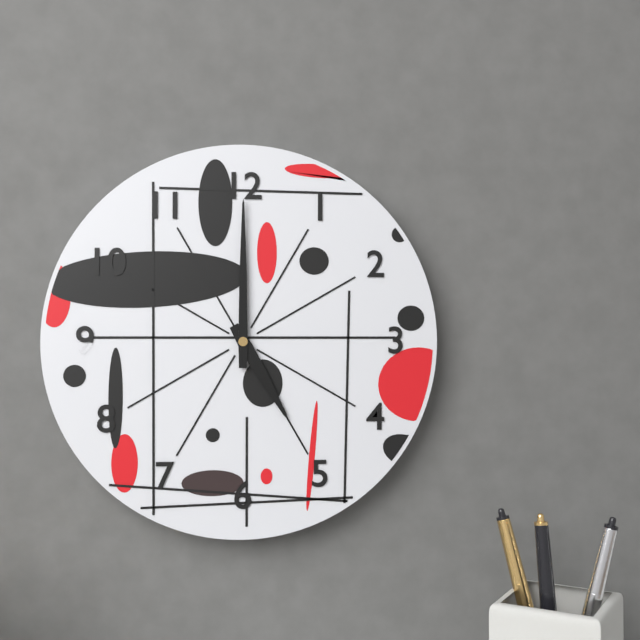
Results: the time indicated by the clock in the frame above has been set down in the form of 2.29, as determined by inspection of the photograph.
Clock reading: 5.00
